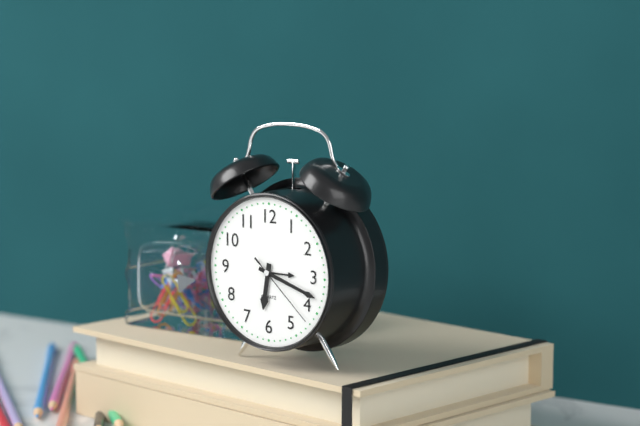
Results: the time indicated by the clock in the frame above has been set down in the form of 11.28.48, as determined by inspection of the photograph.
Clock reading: 6.18.22
